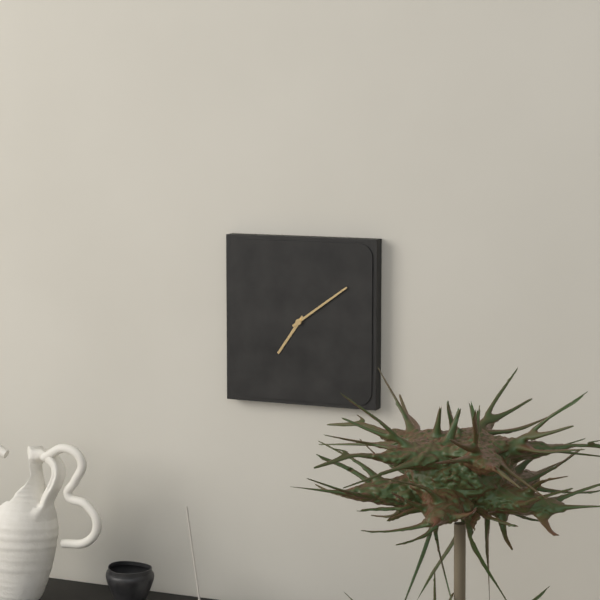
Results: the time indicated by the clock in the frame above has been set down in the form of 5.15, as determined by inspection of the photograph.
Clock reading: 7.09
